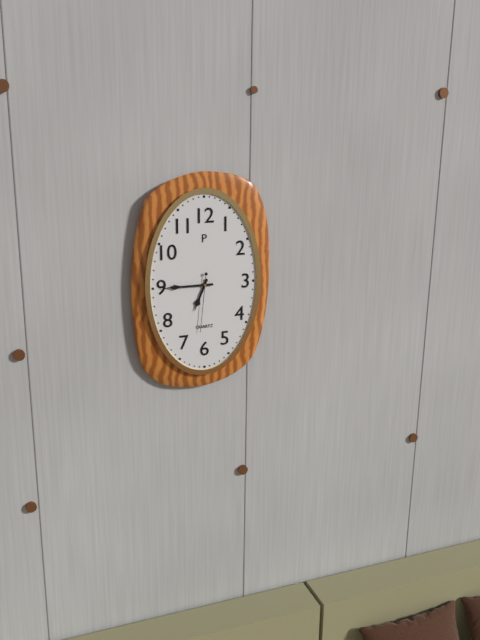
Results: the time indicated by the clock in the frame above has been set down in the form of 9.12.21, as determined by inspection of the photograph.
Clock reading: 6.45.31
